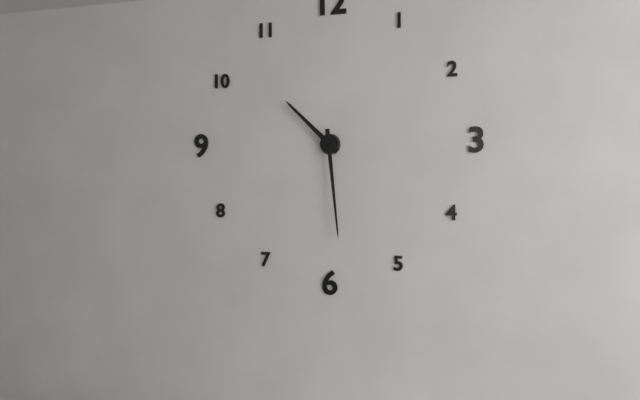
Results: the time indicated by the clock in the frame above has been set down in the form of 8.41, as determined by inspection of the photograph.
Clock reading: 10.29
